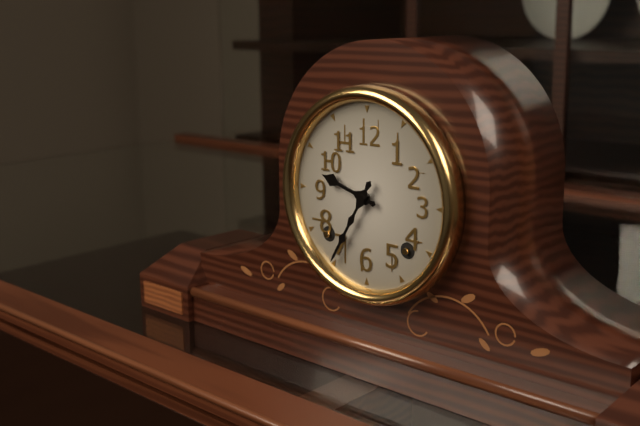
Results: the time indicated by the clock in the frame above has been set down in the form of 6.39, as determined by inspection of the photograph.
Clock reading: 9.35
